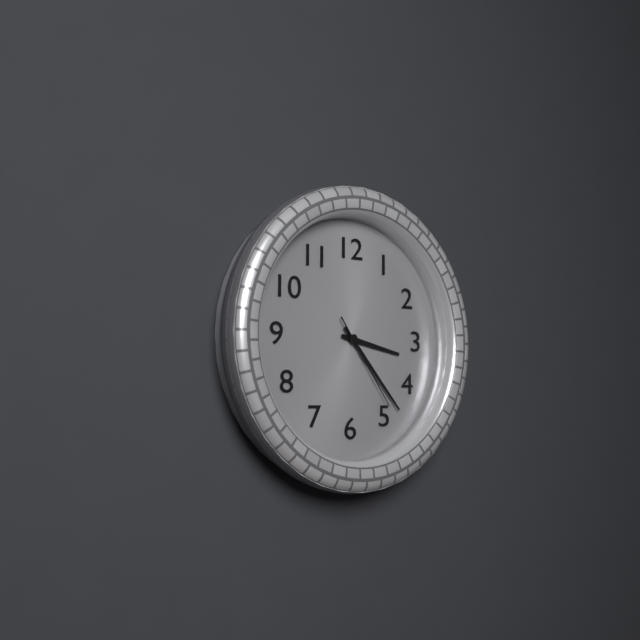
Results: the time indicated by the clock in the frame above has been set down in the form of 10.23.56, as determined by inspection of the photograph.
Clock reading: 3.23.24
